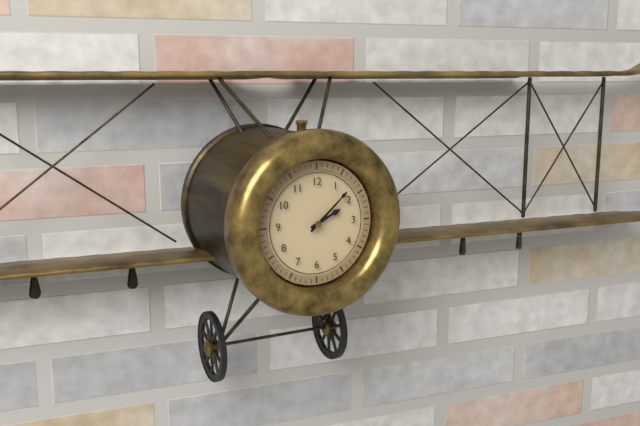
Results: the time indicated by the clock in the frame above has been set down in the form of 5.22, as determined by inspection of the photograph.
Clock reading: 2.08
